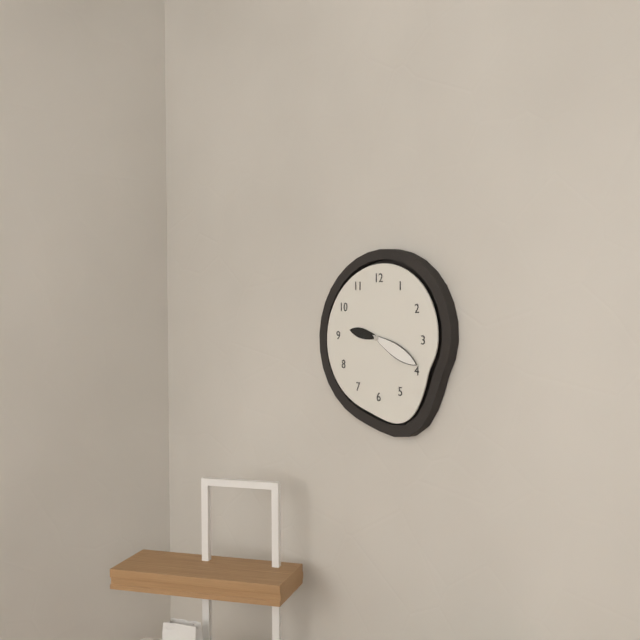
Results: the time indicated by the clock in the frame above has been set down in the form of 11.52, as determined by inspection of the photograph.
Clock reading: 9.19
